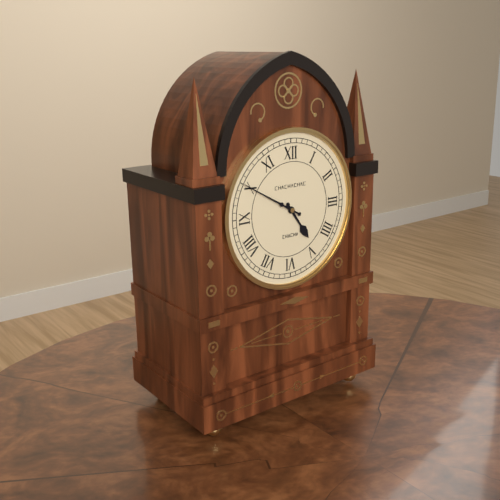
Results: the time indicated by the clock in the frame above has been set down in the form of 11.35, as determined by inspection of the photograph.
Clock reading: 4.50
